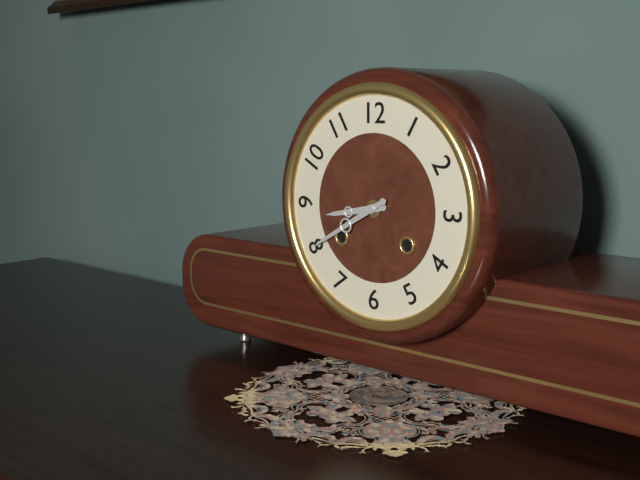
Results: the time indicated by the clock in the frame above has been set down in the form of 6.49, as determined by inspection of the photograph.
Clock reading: 8.40
